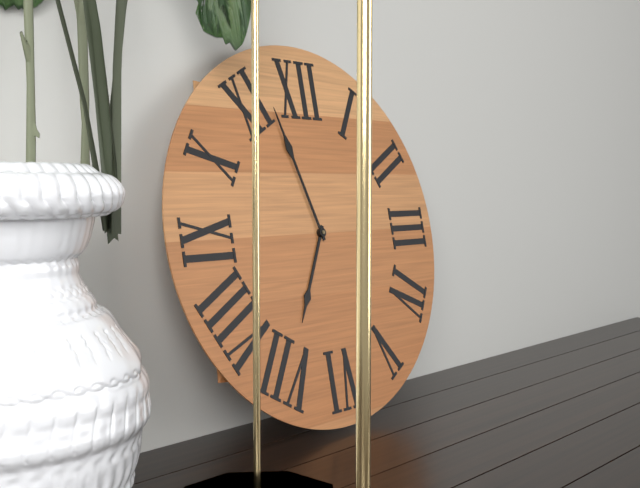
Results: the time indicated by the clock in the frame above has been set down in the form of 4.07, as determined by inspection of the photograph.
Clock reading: 6.57
